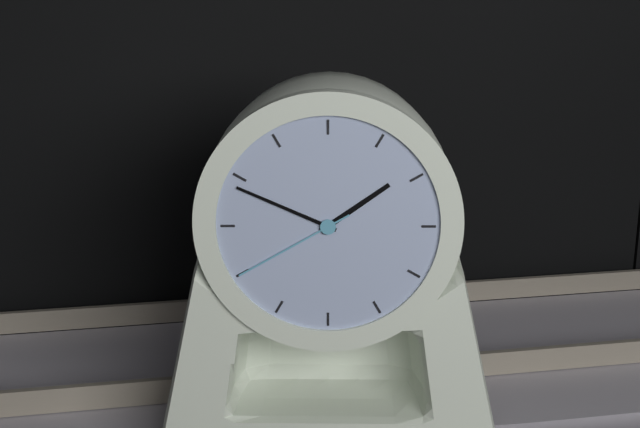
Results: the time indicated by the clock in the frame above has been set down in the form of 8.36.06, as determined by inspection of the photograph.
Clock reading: 1.49.40
